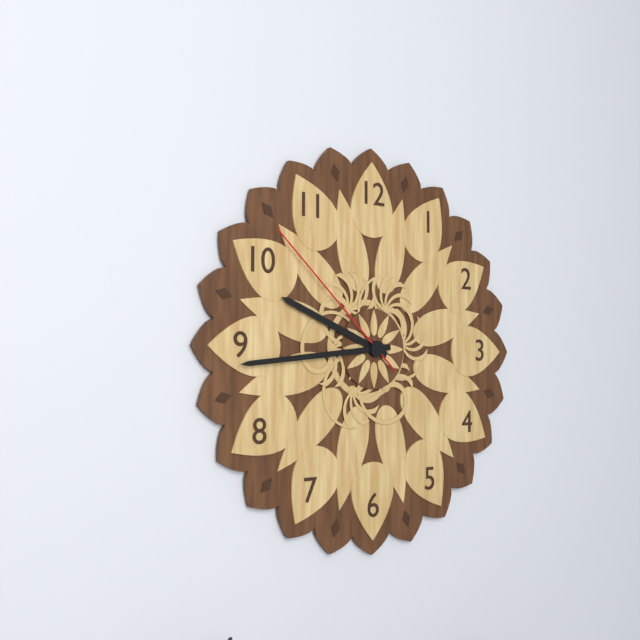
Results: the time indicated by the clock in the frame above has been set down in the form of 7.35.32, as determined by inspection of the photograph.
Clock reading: 9.44.52
